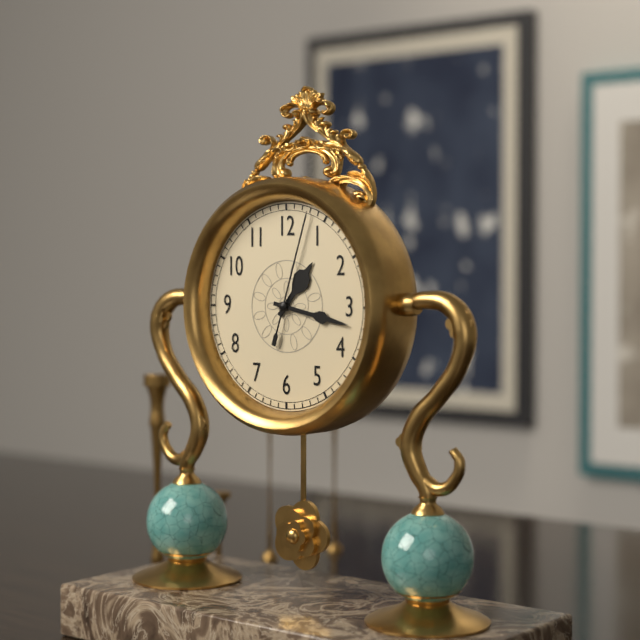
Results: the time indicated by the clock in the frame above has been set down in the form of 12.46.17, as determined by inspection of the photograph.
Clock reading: 1.17.03
